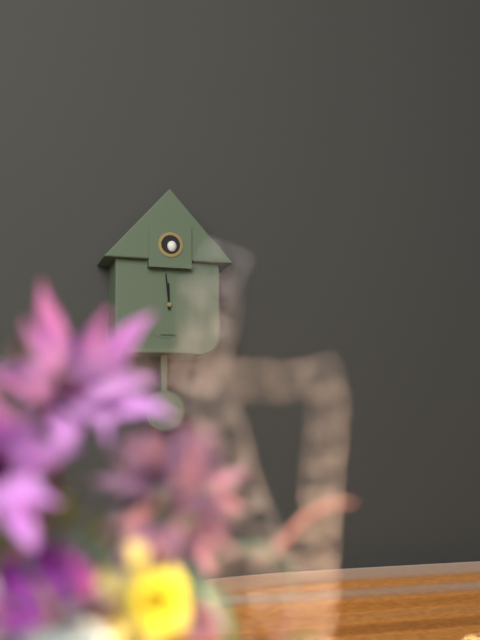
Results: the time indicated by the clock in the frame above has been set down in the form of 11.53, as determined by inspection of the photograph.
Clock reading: 11.59
